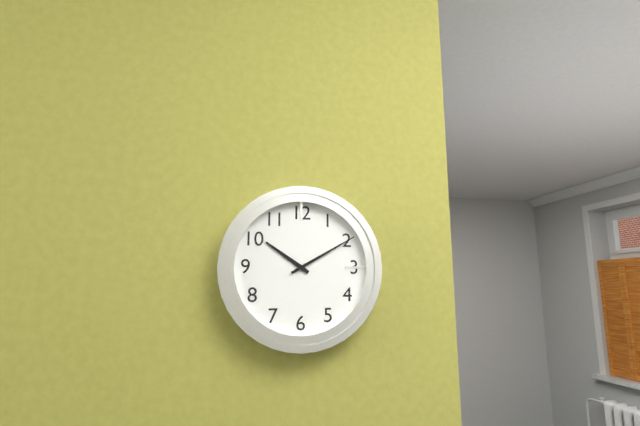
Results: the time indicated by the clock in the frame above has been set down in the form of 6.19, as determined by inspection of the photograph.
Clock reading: 10.10
